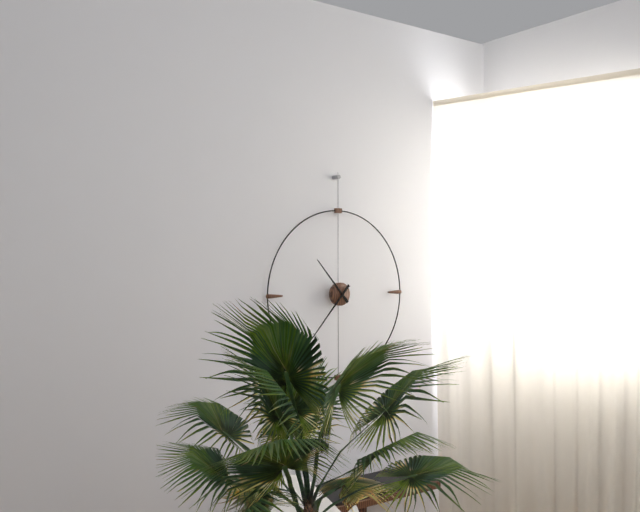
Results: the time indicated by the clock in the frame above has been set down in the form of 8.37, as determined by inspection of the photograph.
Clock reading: 10.37
